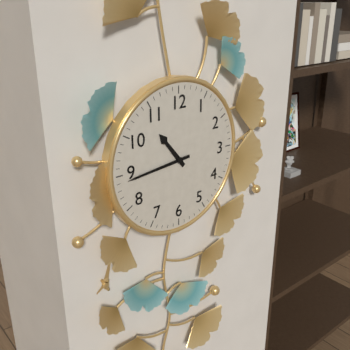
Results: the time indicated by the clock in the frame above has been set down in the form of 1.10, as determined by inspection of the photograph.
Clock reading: 10.44
